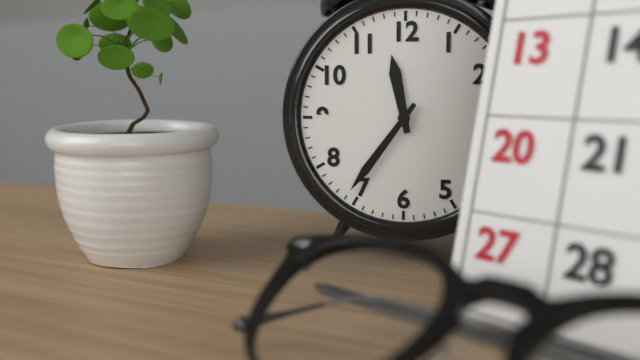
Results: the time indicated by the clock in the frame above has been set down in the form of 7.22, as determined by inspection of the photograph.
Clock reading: 11.36
